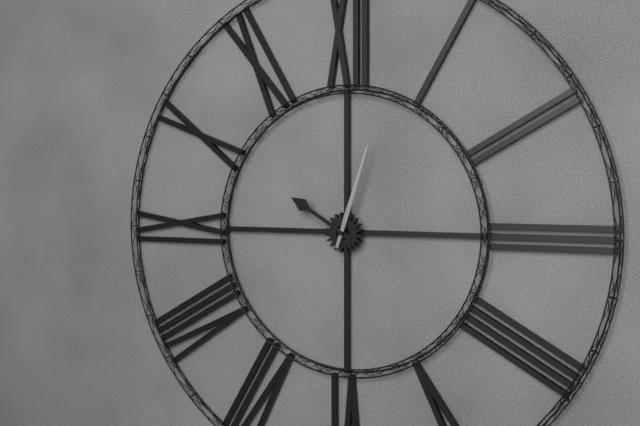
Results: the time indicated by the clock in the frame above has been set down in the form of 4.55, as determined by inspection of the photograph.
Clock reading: 10.03
